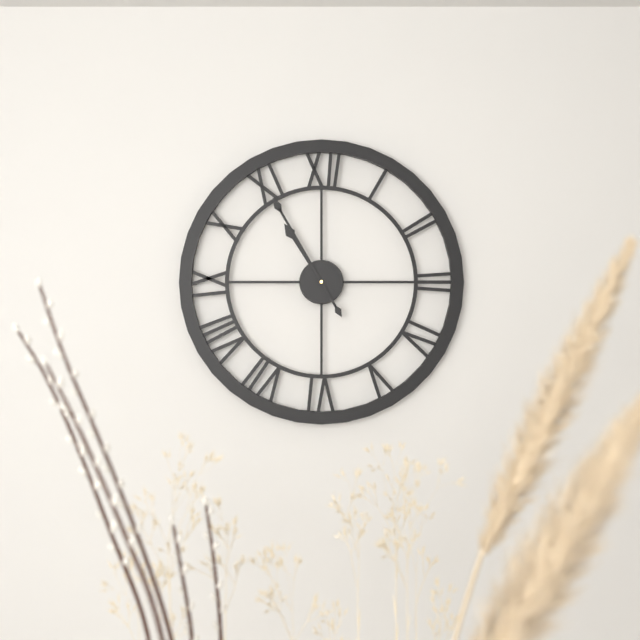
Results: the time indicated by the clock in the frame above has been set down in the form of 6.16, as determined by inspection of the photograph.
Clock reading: 10.55
